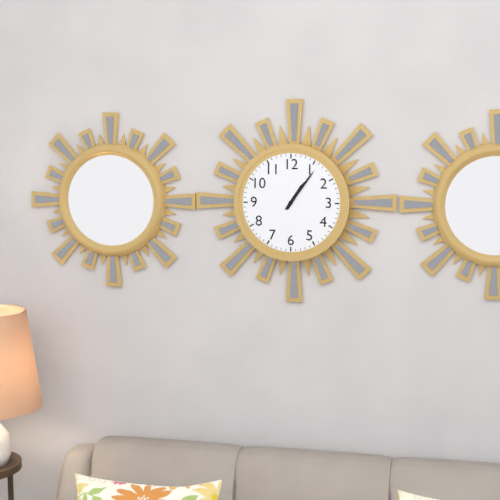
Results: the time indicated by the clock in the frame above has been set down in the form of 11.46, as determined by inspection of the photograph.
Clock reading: 1.06
